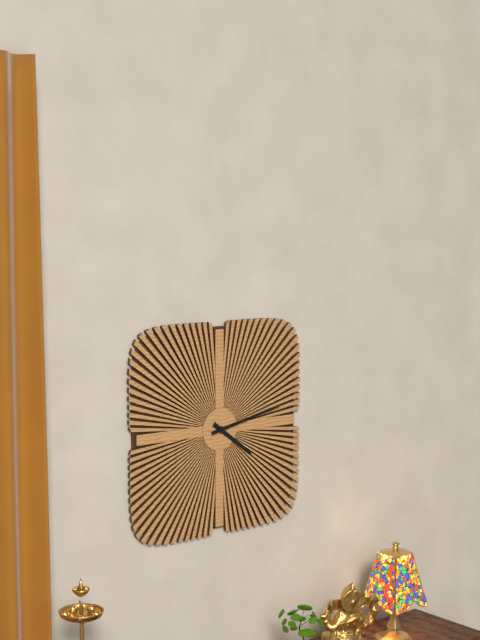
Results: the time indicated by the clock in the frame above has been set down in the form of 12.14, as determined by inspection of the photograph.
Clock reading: 4.13
